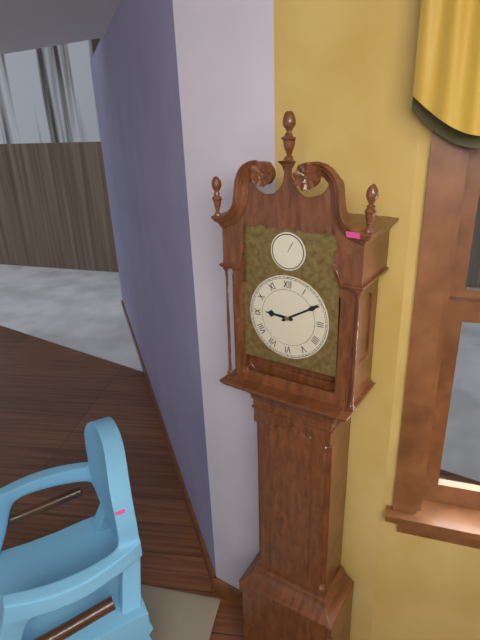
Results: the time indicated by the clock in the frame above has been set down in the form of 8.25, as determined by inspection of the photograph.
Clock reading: 9.10
